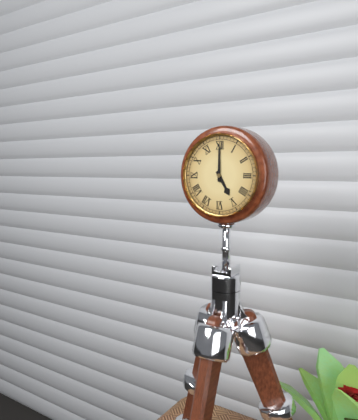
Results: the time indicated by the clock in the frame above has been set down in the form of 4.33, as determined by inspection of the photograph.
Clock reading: 5.00
